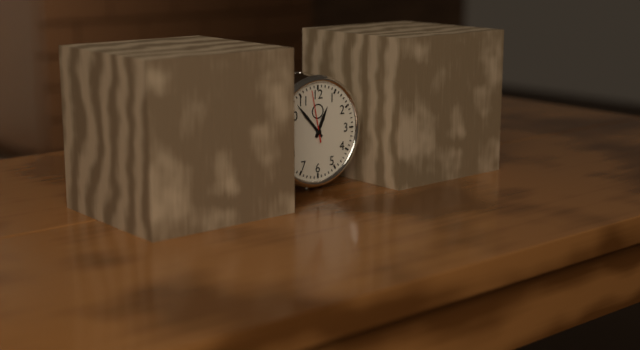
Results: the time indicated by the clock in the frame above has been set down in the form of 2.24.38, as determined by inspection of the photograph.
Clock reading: 12.53.58
